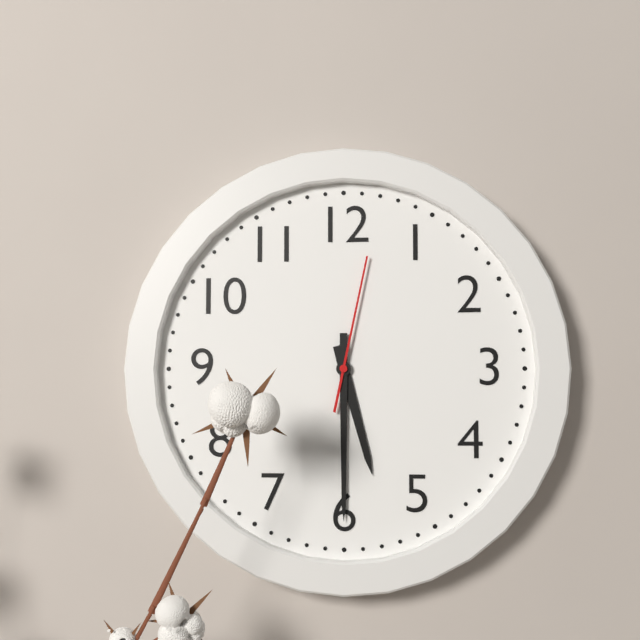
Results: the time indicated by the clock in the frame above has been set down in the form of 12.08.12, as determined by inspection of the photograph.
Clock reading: 5.30.02
